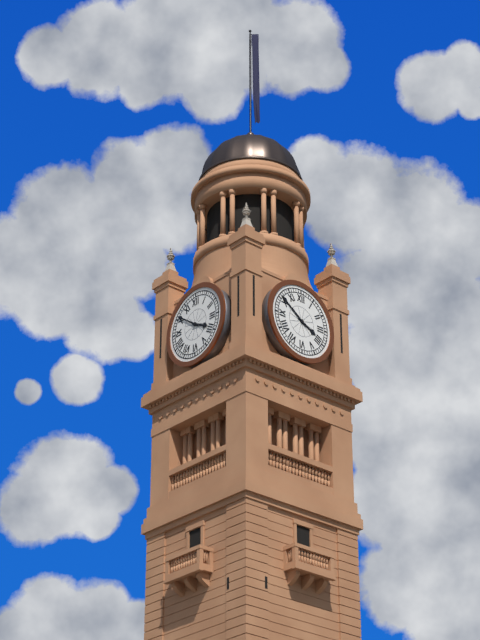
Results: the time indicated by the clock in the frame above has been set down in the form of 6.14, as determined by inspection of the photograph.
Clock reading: 3.51
